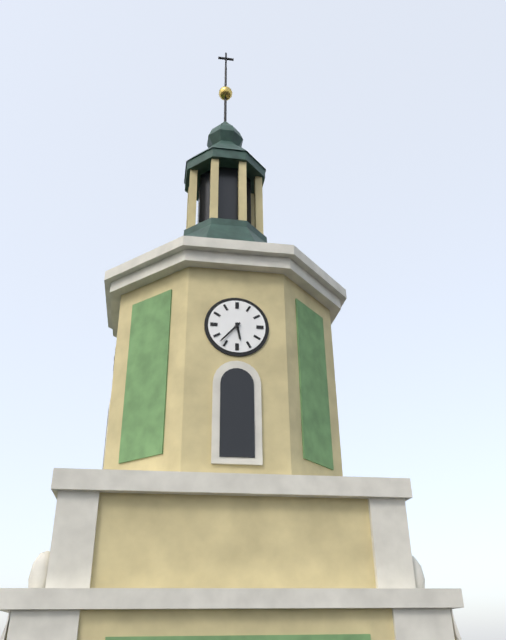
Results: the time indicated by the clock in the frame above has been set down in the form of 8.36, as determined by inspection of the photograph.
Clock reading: 5.37
